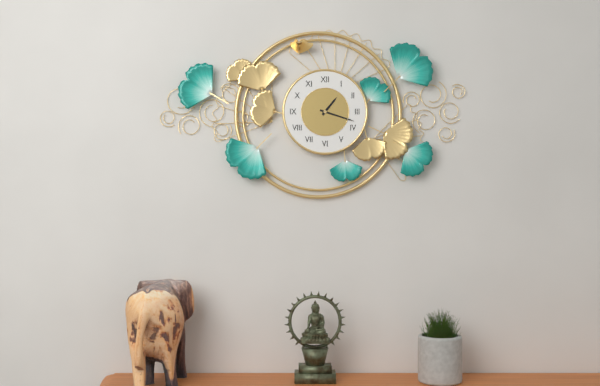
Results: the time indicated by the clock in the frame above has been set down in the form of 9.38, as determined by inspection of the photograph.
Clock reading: 1.18
